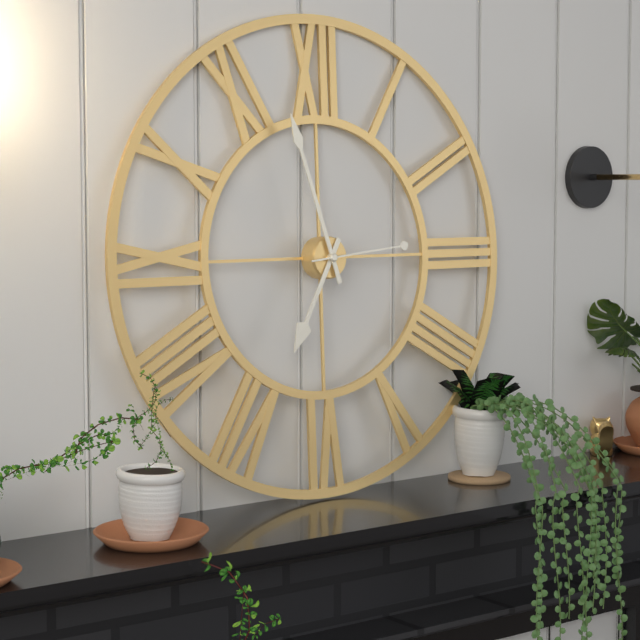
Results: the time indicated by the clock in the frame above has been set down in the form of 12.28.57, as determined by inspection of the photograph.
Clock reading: 6.57.14
